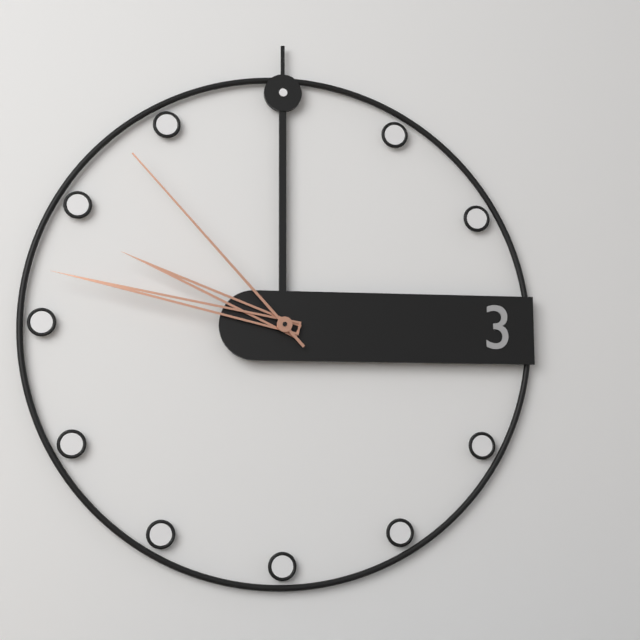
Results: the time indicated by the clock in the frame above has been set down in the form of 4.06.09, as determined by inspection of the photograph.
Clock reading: 9.47.53
